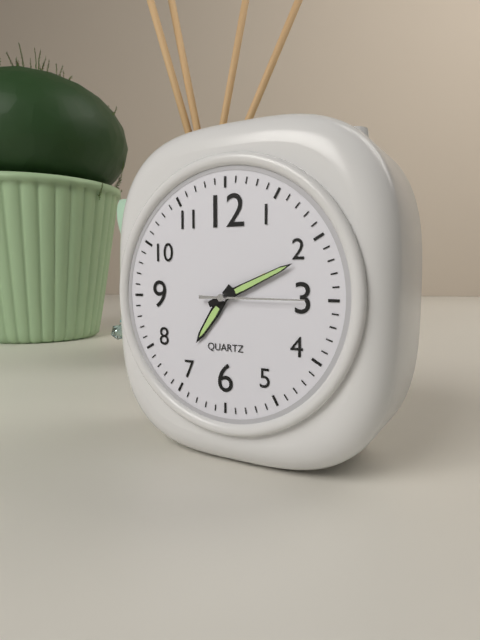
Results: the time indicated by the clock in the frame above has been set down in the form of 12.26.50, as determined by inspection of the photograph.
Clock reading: 7.11.15
